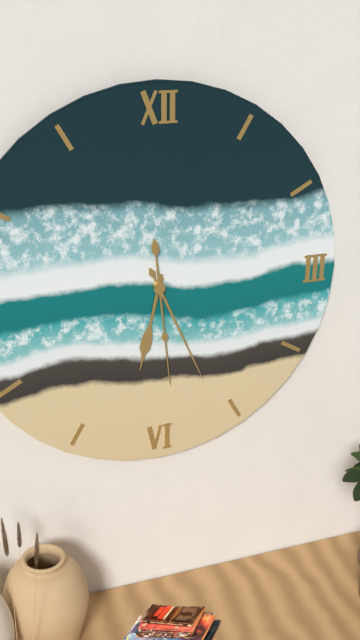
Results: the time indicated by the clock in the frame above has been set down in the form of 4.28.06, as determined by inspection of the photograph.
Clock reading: 6.26.29
